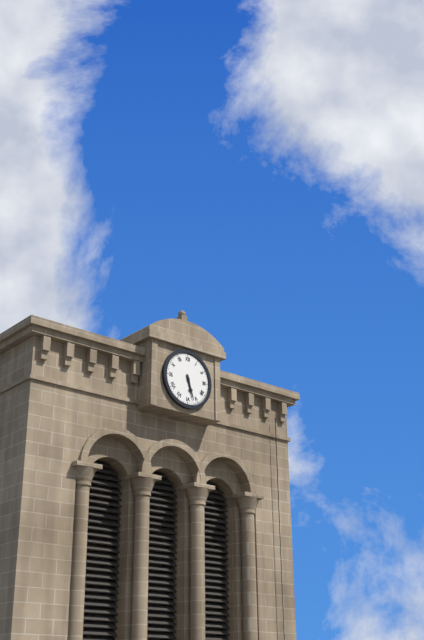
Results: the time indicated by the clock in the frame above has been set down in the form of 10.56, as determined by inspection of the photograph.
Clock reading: 5.27
